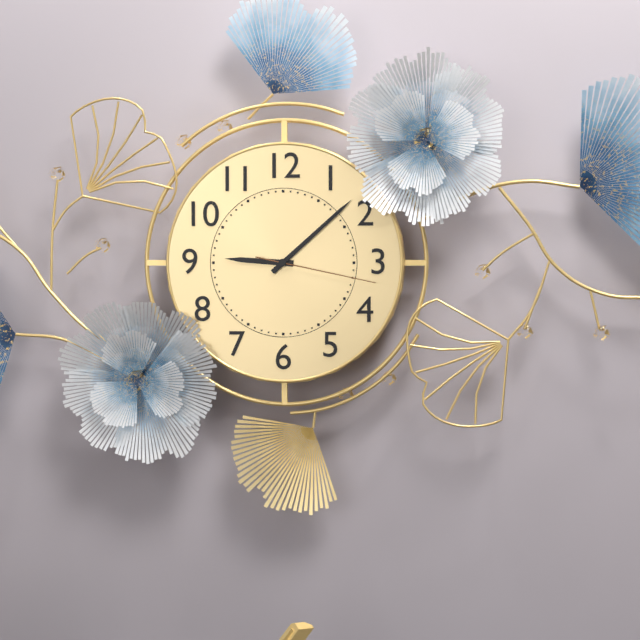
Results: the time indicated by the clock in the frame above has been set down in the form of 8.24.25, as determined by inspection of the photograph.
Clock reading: 9.08.17
